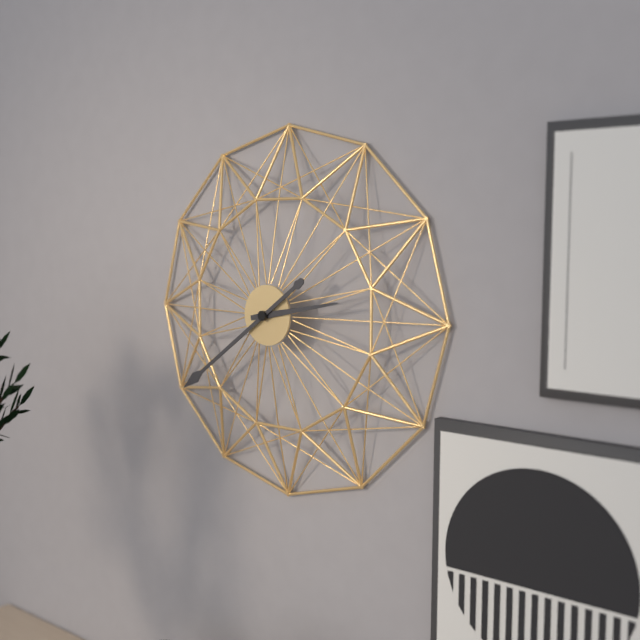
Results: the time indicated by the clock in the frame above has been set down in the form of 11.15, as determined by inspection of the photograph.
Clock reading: 2.39
